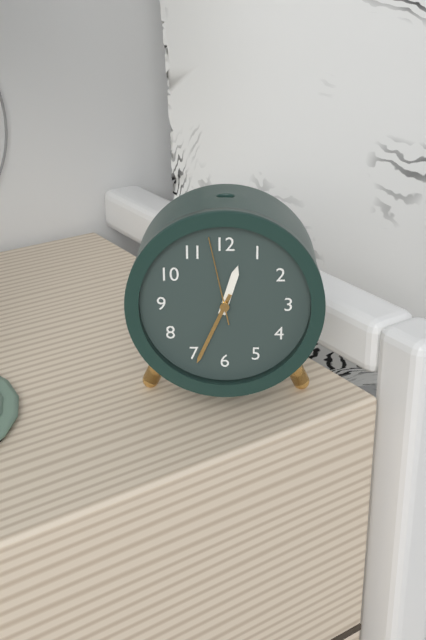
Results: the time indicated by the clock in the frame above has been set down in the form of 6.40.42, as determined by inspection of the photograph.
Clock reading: 12.34.58
